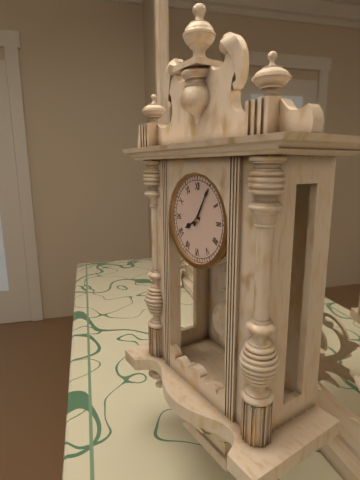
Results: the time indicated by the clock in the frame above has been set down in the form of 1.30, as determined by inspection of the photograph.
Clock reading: 8.05
